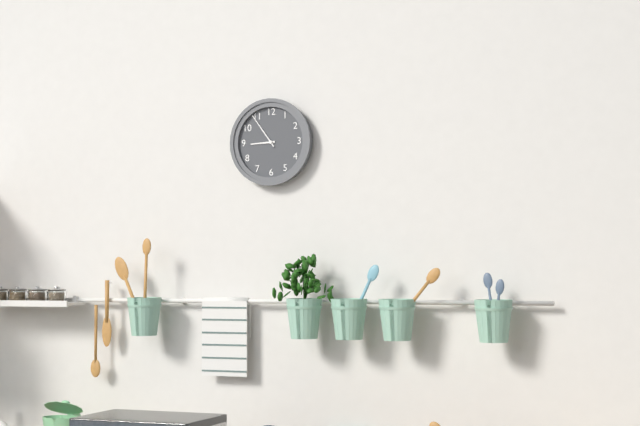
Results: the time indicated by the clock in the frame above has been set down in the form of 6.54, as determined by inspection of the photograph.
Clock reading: 8.54
